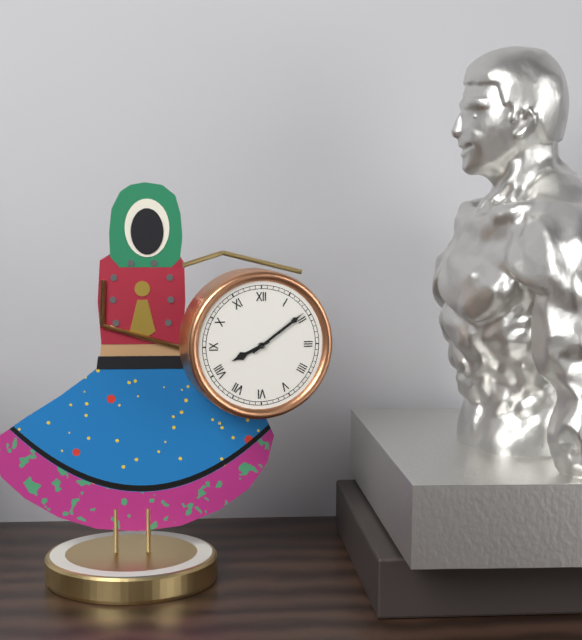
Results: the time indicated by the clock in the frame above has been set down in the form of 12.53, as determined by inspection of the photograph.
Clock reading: 8.09
